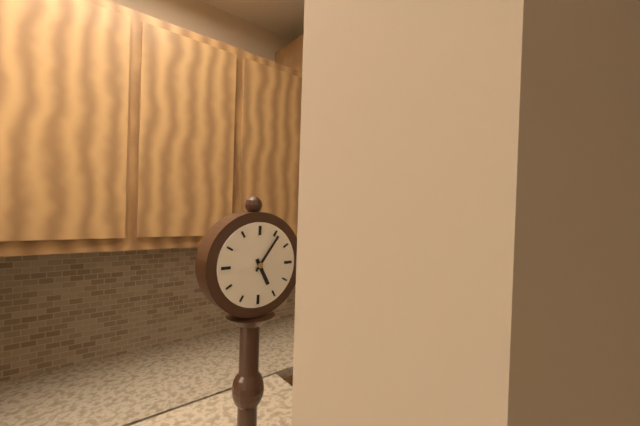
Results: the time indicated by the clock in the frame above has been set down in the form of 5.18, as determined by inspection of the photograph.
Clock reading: 5.06
